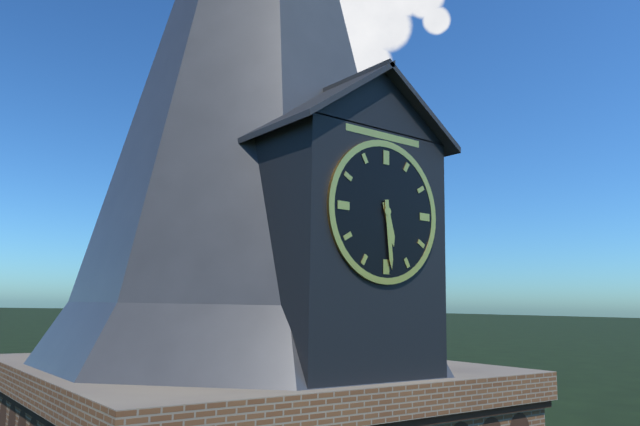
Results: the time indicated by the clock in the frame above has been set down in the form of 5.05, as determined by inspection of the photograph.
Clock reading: 5.29
